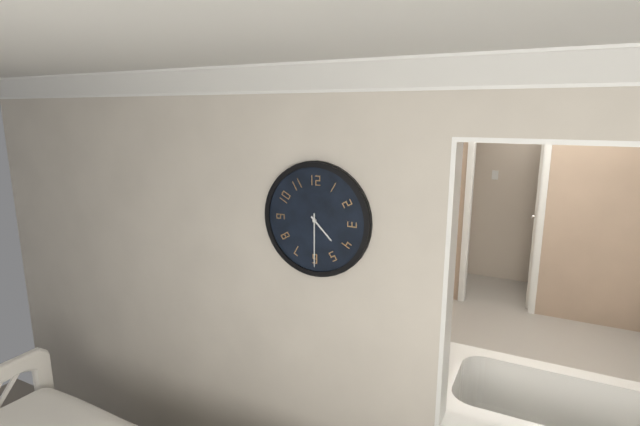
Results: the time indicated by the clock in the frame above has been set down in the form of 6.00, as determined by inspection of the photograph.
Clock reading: 4.30
